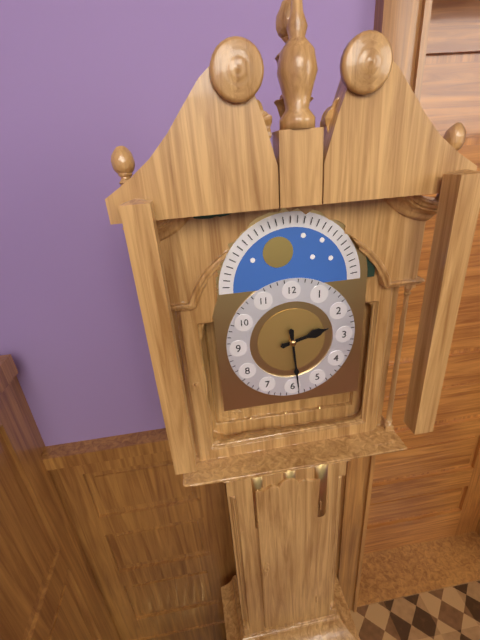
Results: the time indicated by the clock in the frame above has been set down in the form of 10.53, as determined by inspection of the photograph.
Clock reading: 2.29
